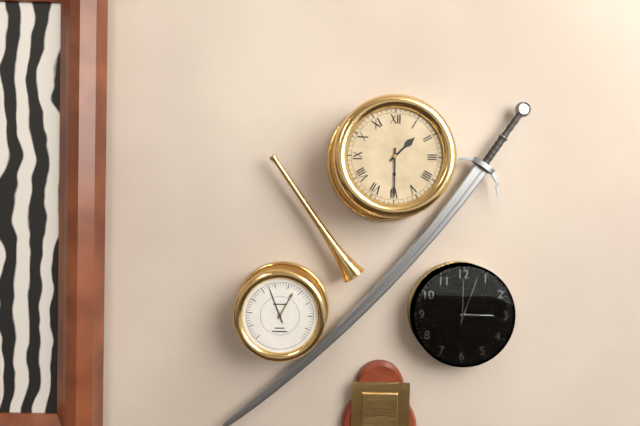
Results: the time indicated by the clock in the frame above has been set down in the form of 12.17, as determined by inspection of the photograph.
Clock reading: 1.30
